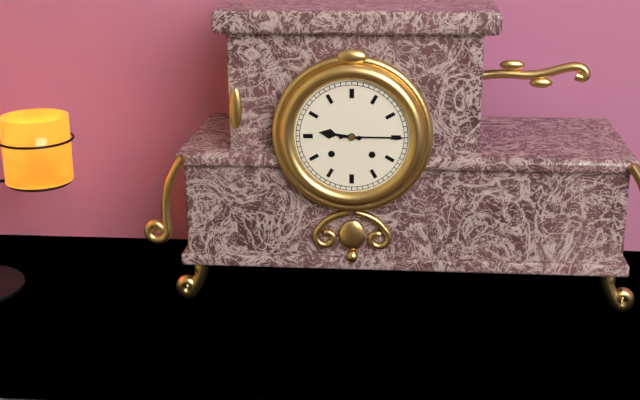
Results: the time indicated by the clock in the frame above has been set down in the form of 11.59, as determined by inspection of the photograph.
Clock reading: 9.15
